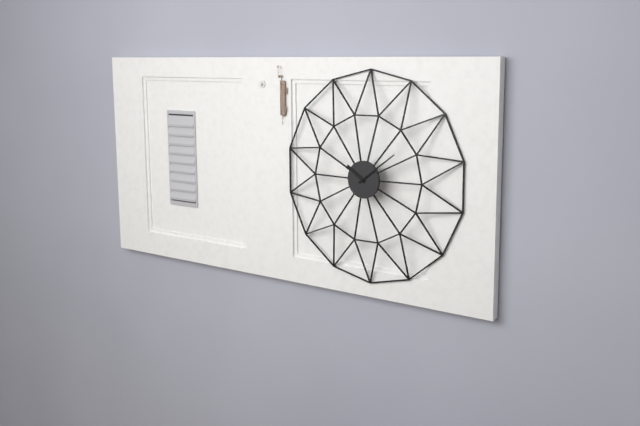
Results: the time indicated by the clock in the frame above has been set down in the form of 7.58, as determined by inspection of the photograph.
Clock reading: 10.09
